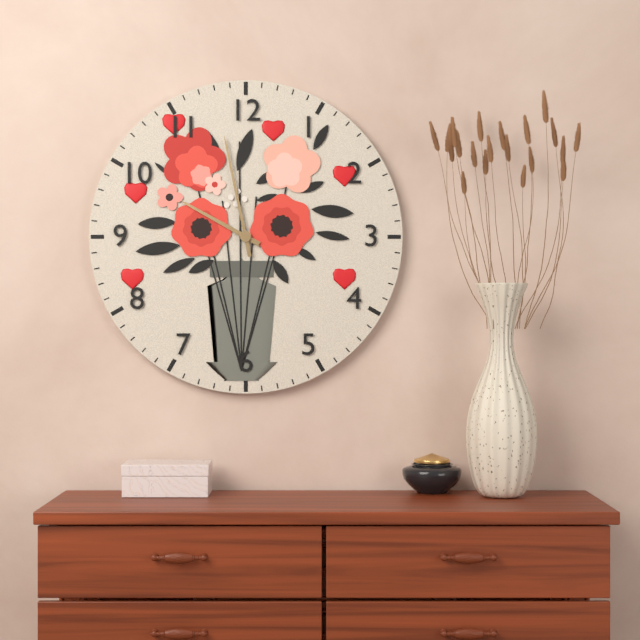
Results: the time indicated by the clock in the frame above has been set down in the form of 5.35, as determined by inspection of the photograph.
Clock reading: 9.58
